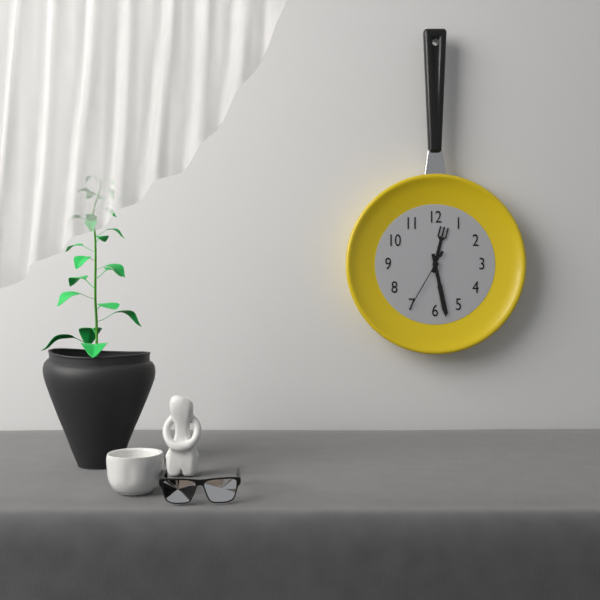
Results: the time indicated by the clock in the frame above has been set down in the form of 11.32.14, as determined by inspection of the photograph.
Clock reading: 12.28.35
